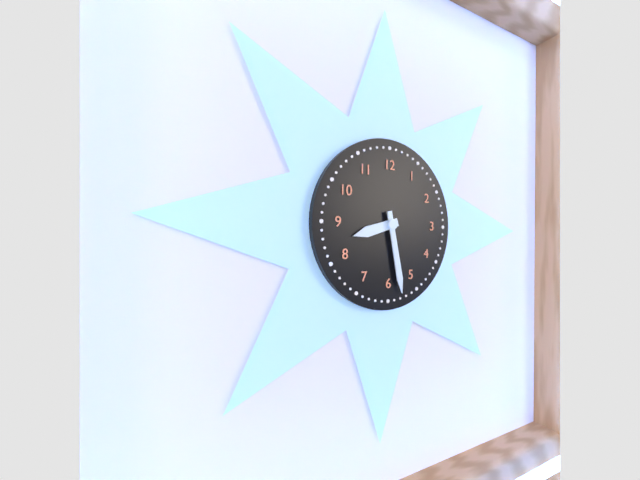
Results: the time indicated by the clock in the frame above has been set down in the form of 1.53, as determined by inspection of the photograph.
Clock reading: 8.28
